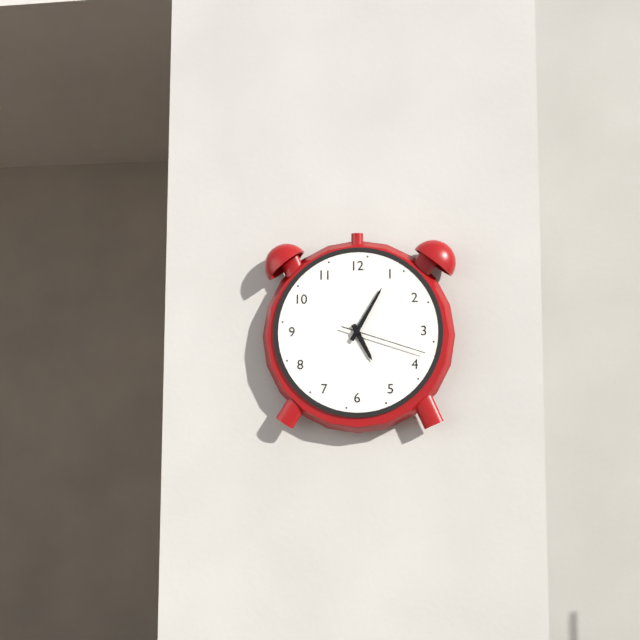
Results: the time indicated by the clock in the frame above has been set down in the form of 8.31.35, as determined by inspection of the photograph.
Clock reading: 5.05.18
